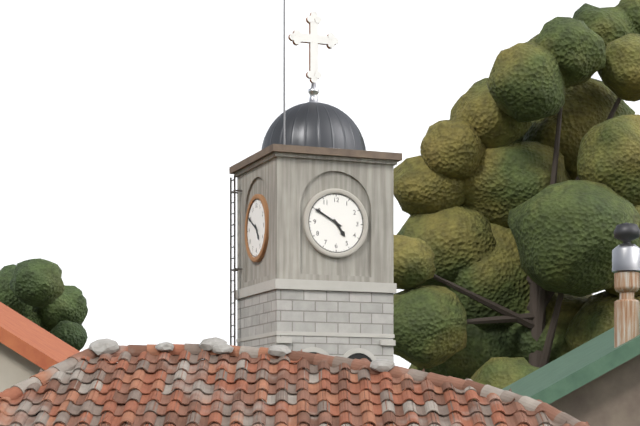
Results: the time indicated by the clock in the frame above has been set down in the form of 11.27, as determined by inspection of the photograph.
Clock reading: 4.50
